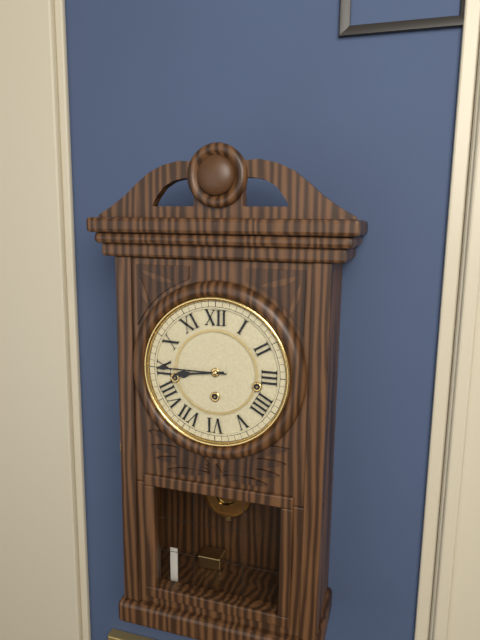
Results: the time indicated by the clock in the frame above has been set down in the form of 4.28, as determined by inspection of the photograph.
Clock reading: 8.45
